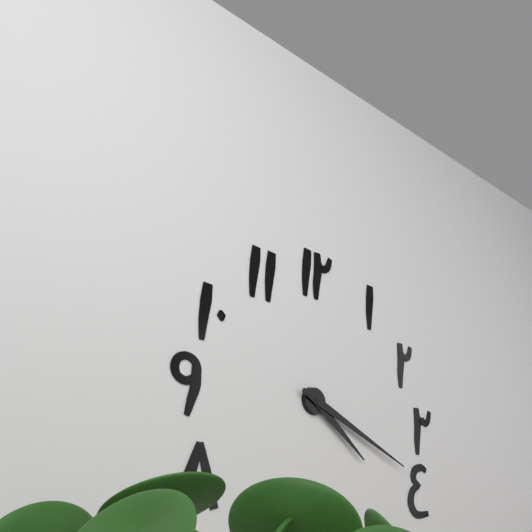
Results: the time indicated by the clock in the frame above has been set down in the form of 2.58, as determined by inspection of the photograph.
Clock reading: 4.19
